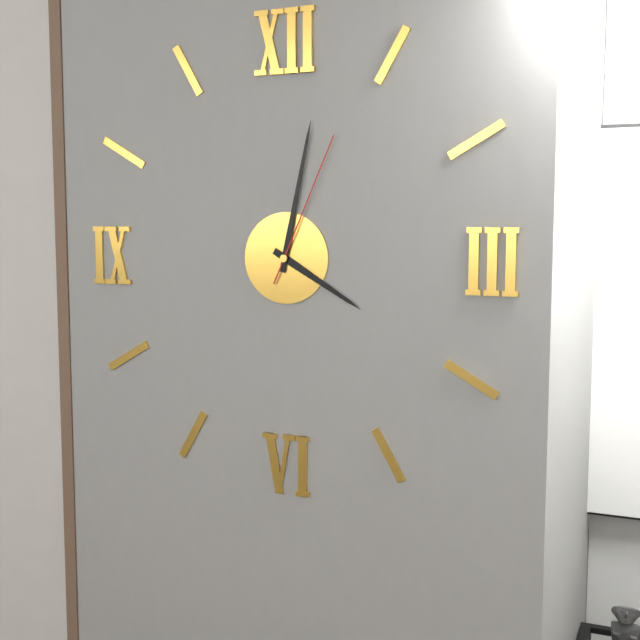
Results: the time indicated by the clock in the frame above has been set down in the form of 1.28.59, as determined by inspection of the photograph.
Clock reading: 4.02.04
